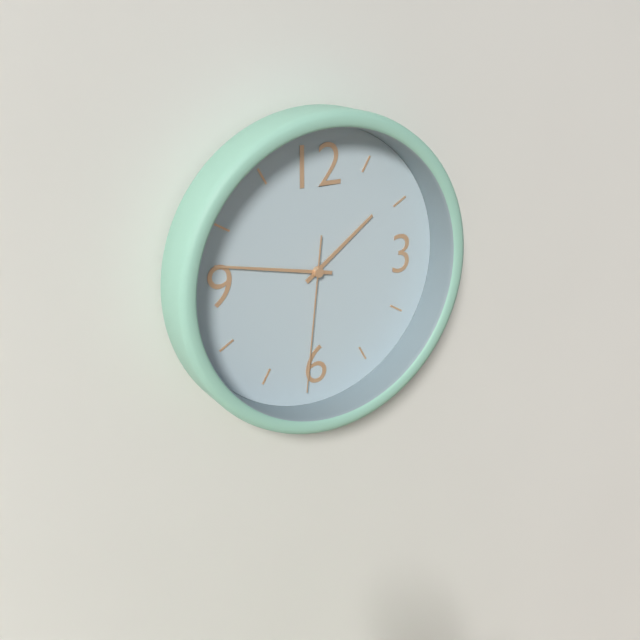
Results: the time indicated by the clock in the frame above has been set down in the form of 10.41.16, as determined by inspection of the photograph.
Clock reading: 1.47.31
